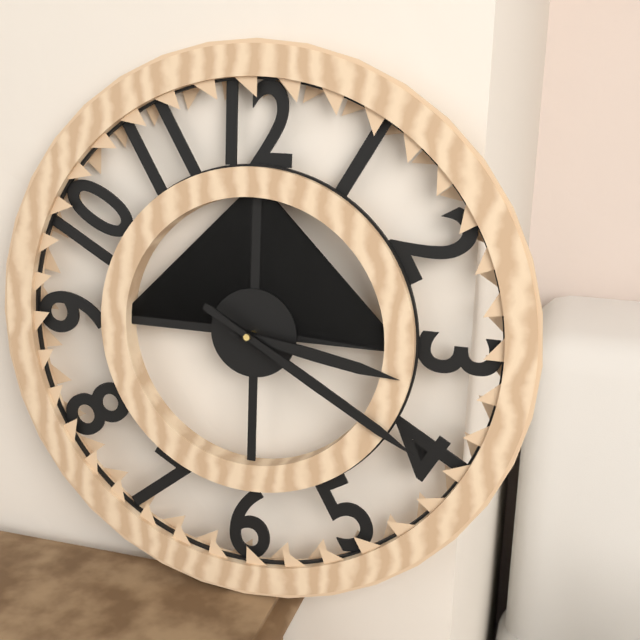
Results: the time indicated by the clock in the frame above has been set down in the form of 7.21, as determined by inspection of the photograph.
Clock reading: 3.20
